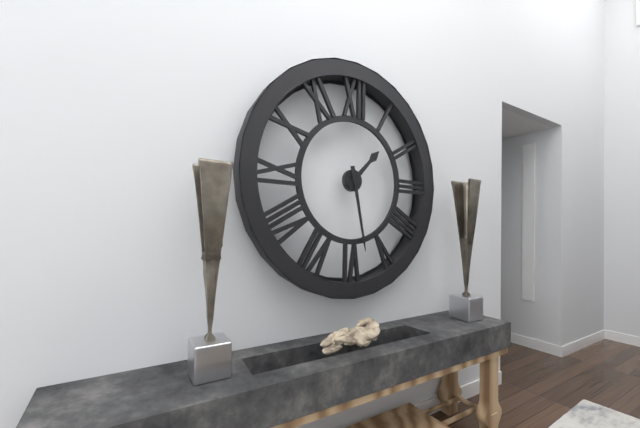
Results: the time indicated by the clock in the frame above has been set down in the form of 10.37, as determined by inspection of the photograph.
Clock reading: 1.28
